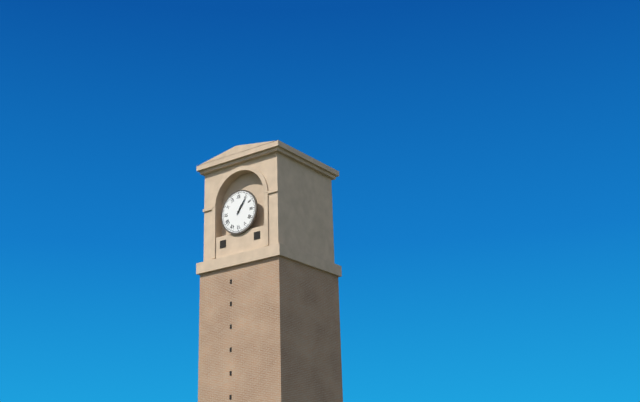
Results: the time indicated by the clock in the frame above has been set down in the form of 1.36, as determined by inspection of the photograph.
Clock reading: 1.06
